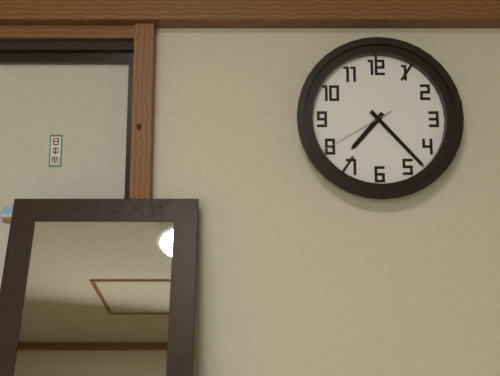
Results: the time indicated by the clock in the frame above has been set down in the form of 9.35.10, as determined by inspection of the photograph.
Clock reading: 7.23.40
